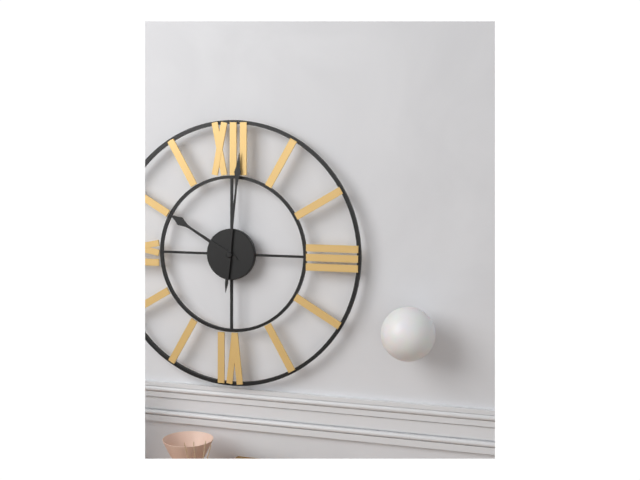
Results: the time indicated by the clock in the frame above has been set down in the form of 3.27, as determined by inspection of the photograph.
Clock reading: 10.01
